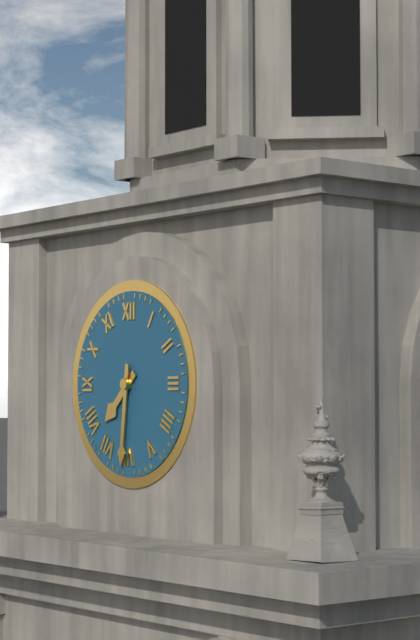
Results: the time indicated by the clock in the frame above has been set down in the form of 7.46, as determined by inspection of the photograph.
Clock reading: 7.31
